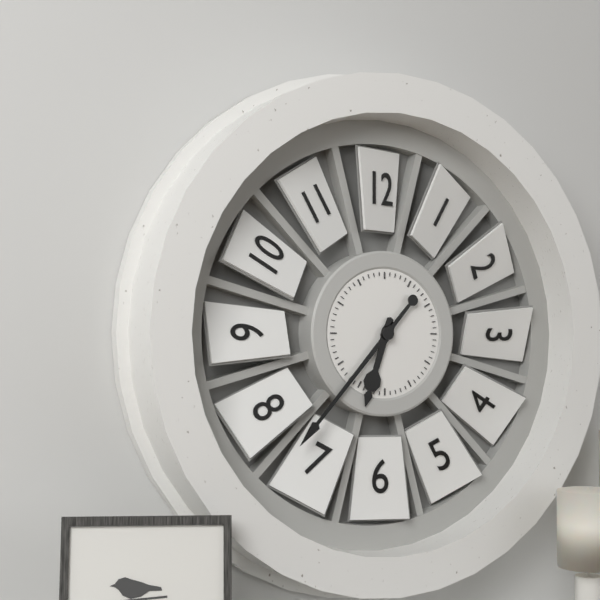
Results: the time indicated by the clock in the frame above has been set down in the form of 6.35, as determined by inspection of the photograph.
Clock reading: 6.37
